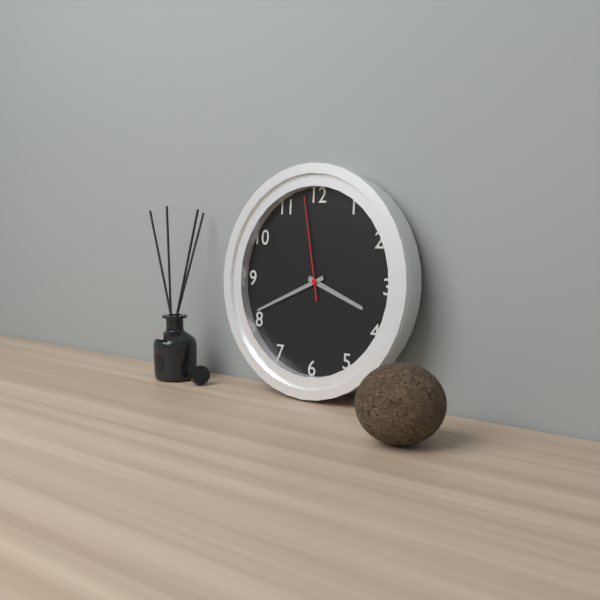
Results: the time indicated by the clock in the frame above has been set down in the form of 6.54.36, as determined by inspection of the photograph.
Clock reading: 3.41.58
